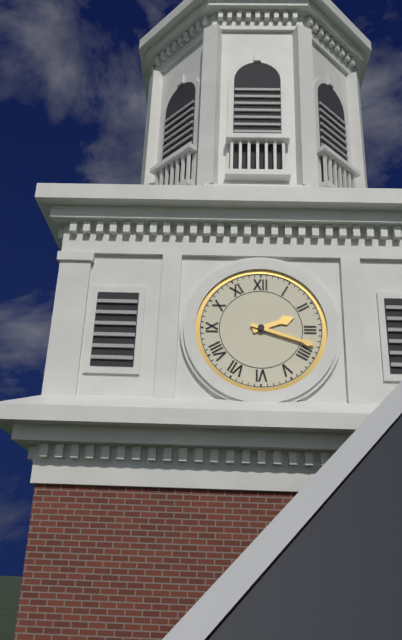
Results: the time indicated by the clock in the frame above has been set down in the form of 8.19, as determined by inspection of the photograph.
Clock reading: 2.18
